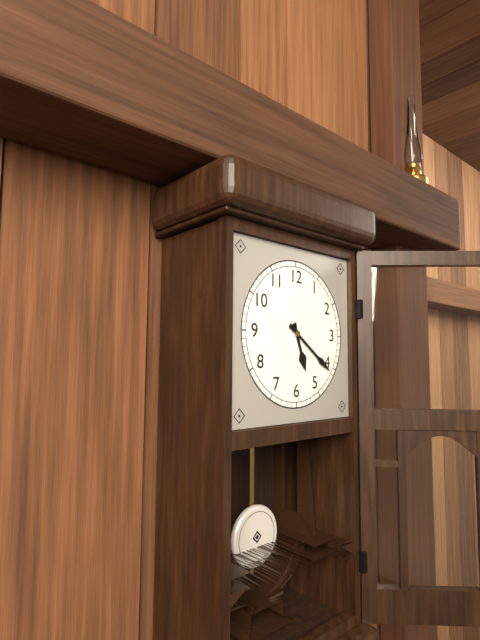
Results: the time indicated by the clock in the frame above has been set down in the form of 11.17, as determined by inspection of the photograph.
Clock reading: 5.21
